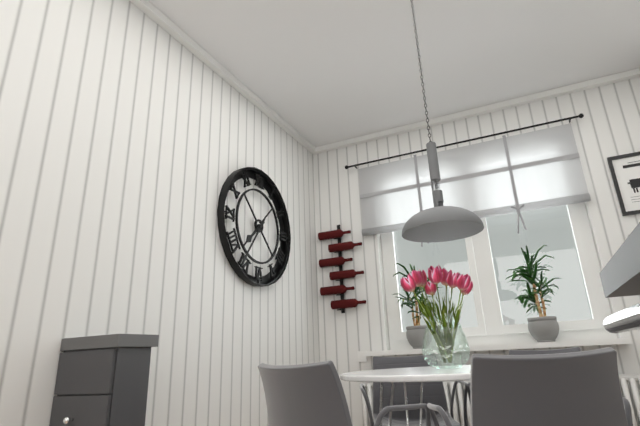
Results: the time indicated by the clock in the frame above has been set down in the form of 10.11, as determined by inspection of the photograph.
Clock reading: 7.36
